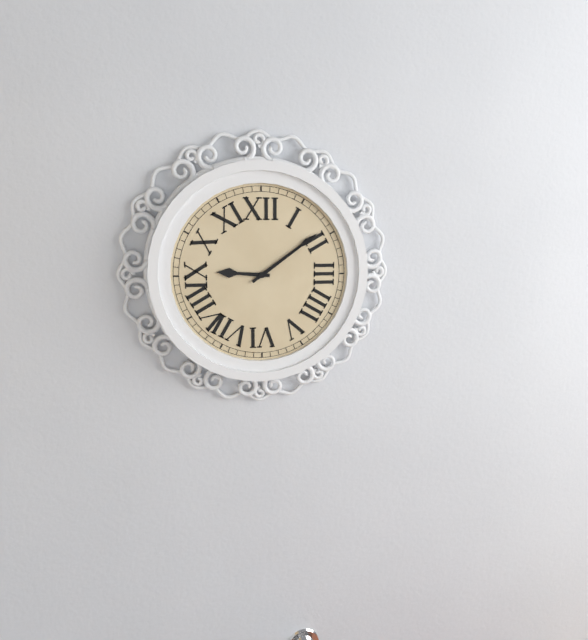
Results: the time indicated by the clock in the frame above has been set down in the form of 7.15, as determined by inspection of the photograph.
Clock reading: 9.09
